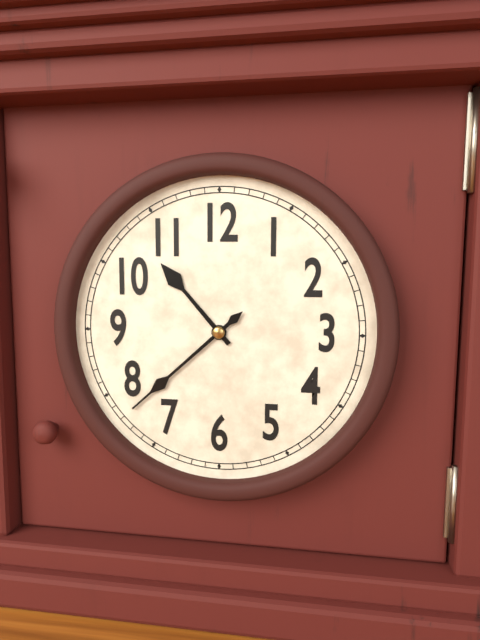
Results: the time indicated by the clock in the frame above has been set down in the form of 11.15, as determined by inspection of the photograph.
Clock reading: 10.38
